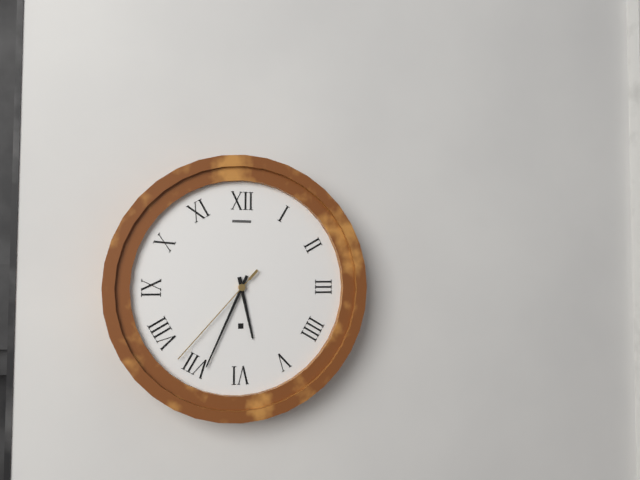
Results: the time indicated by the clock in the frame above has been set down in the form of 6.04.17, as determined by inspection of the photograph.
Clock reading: 5.34.37
